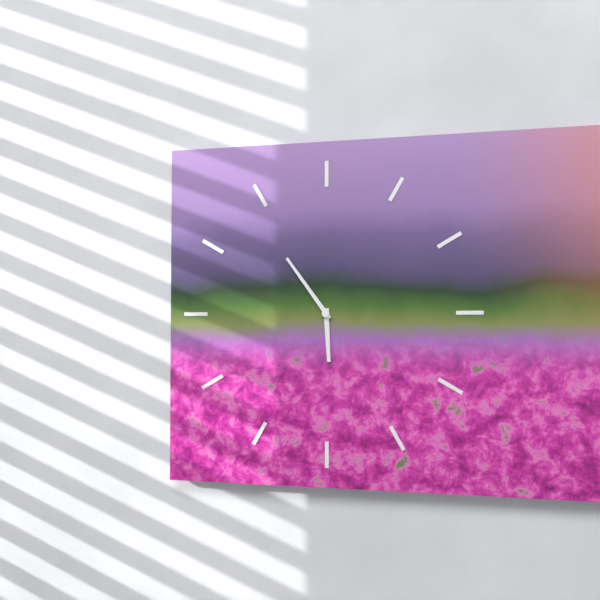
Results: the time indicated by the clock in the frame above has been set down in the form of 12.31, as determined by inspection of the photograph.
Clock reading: 5.54
